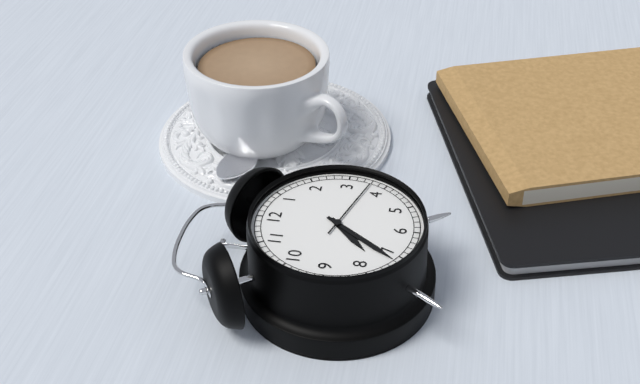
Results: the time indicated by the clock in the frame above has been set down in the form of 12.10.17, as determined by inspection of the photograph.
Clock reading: 7.36.18
